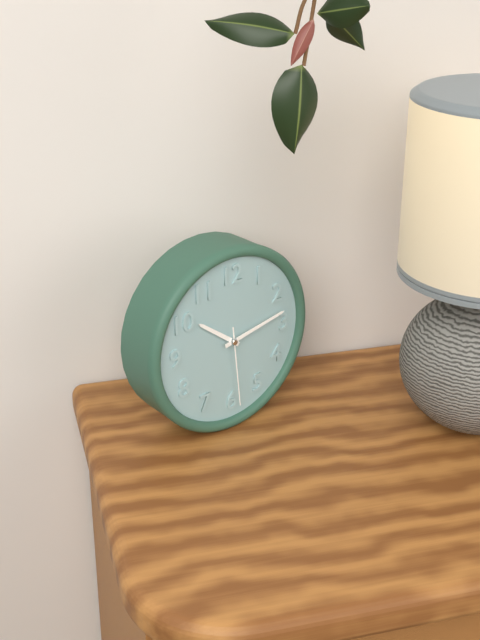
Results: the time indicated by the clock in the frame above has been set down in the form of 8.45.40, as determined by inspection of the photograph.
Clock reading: 10.13.29
